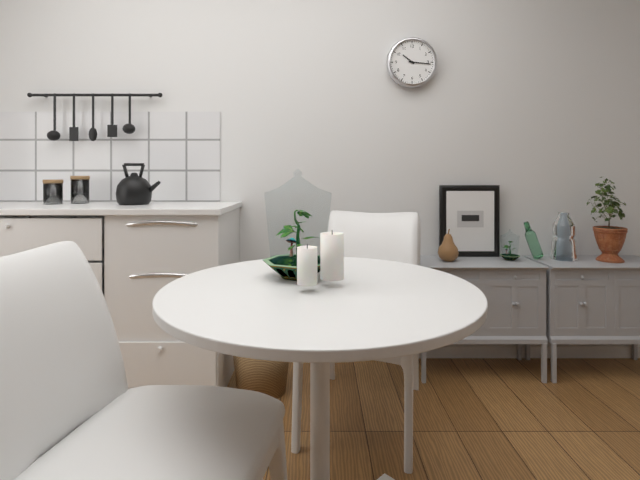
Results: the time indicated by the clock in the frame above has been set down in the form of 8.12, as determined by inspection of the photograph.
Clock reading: 10.16
